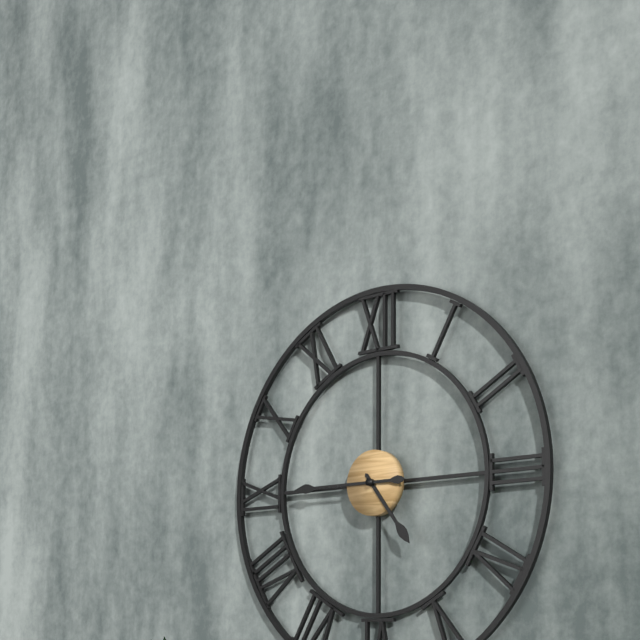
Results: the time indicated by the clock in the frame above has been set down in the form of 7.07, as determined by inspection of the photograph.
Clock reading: 4.45
